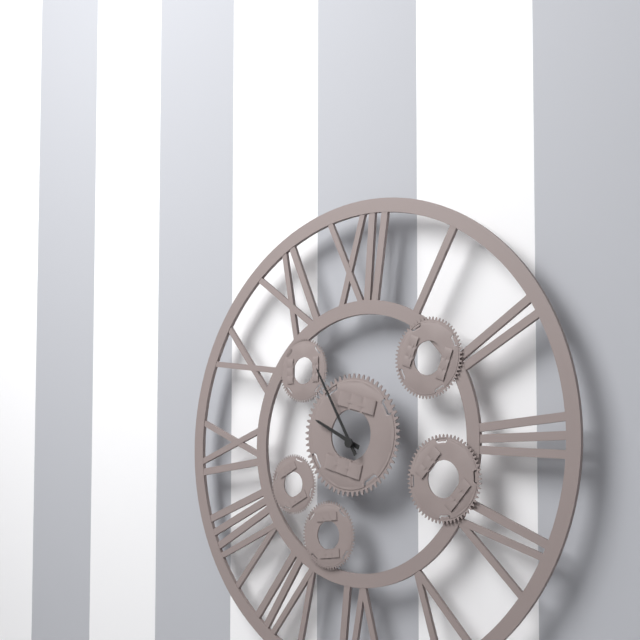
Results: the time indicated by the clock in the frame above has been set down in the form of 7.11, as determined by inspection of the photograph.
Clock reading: 9.55
